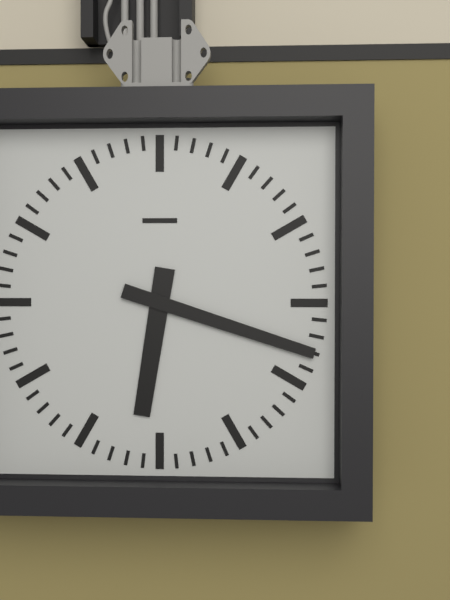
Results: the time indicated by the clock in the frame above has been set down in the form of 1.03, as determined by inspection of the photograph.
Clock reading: 6.18
